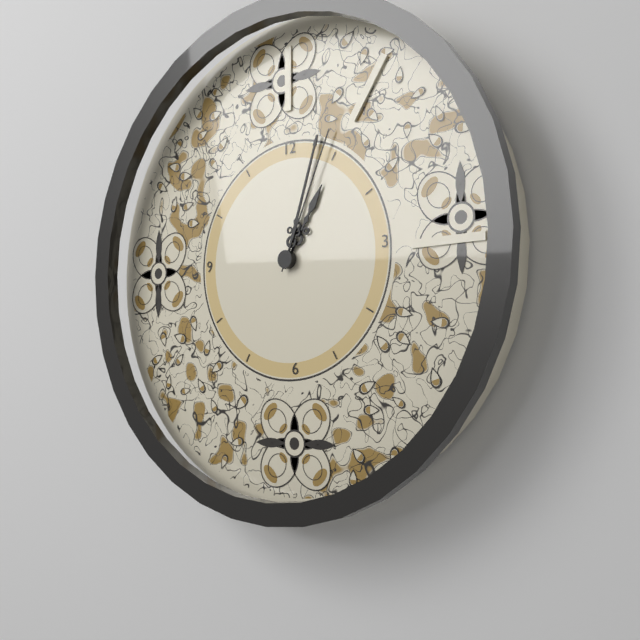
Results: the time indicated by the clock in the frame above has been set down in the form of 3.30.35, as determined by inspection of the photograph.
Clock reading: 1.03.04
